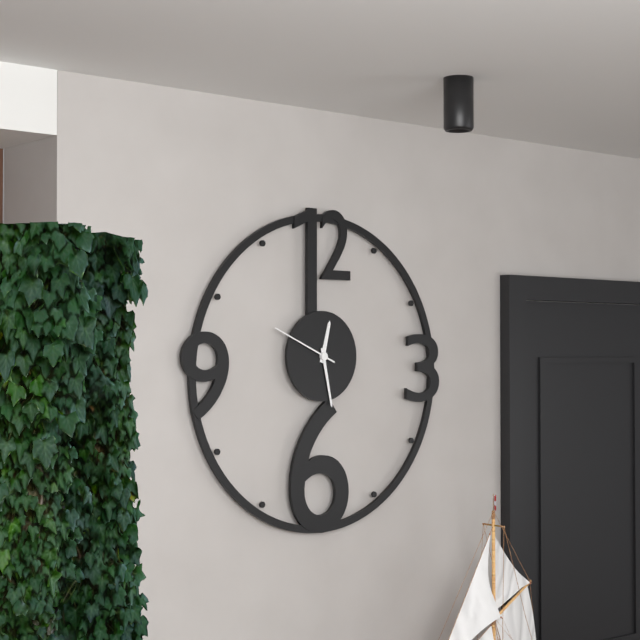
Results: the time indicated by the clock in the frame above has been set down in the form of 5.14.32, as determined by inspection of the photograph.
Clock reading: 12.28.49
